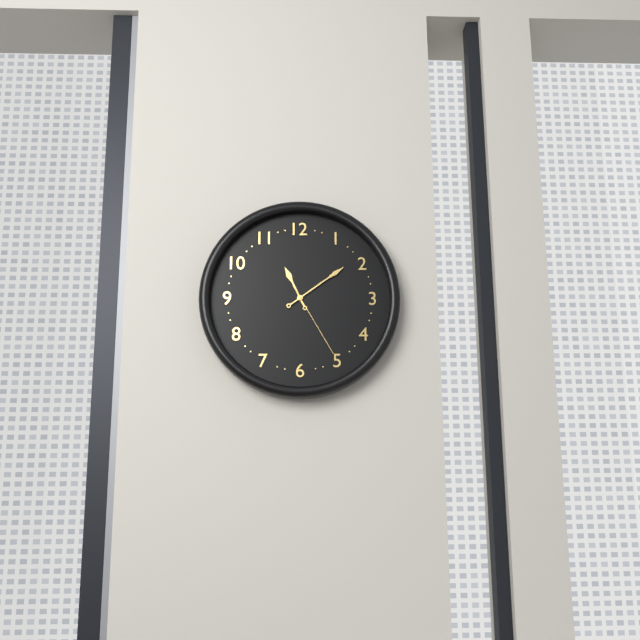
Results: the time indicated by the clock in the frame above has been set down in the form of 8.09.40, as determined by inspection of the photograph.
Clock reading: 11.09.25
